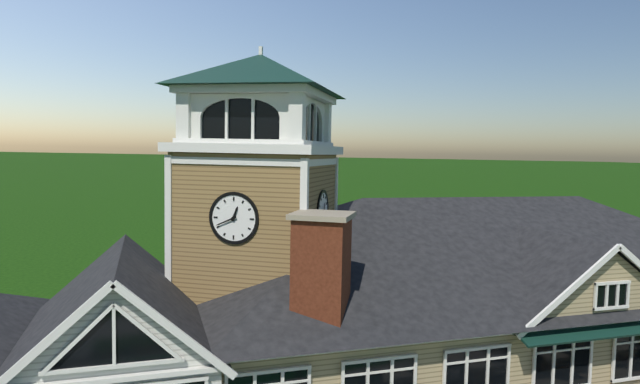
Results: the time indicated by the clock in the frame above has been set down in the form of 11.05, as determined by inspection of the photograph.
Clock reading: 12.41
